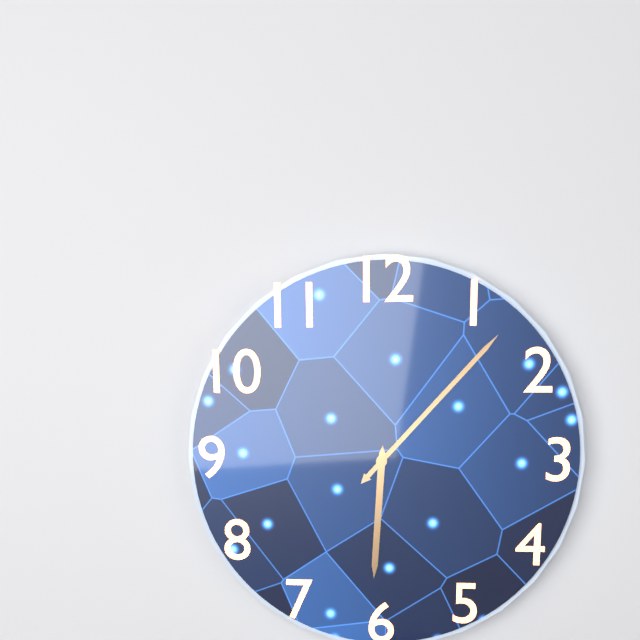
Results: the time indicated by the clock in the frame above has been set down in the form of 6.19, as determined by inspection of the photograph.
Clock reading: 6.07
